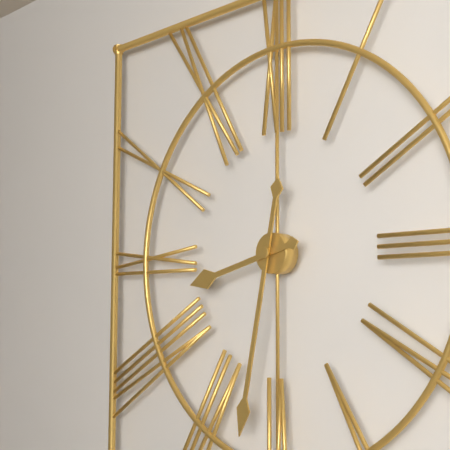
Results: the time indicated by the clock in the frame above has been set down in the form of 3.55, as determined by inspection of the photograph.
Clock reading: 8.32
